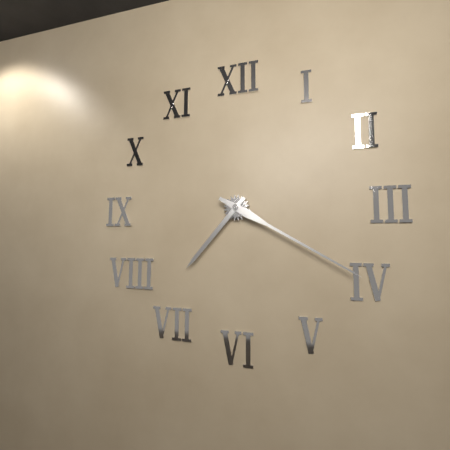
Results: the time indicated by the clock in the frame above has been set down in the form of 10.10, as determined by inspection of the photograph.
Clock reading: 7.20
